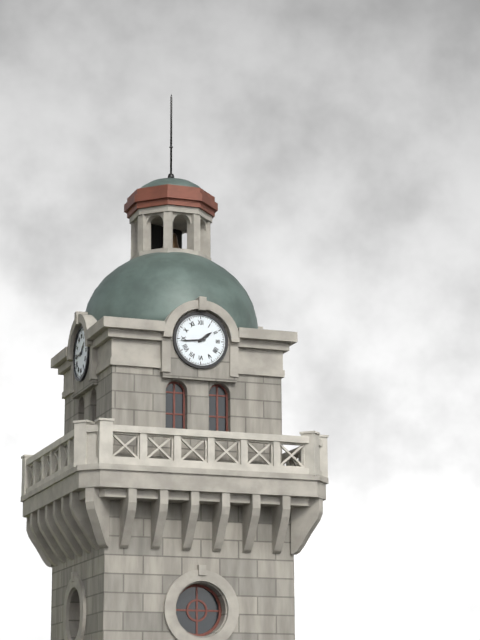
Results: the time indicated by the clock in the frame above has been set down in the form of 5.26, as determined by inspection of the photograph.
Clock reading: 1.44
